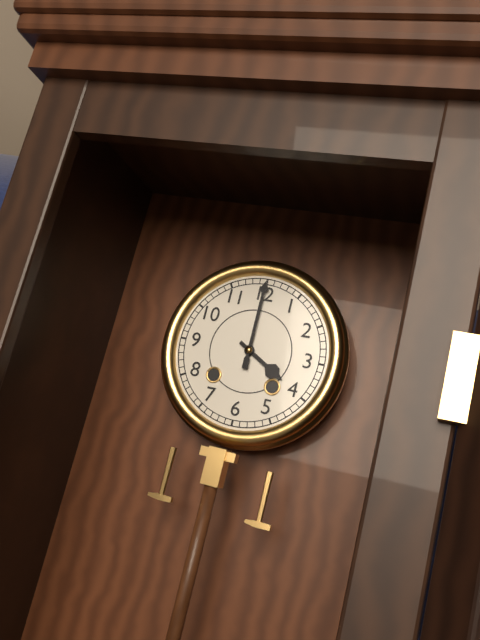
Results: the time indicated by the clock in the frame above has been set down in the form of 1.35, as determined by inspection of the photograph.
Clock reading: 4.00
